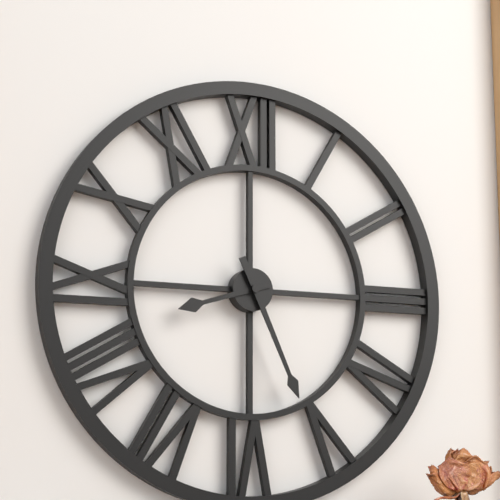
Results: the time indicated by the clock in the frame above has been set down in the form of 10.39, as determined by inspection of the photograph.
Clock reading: 8.26
